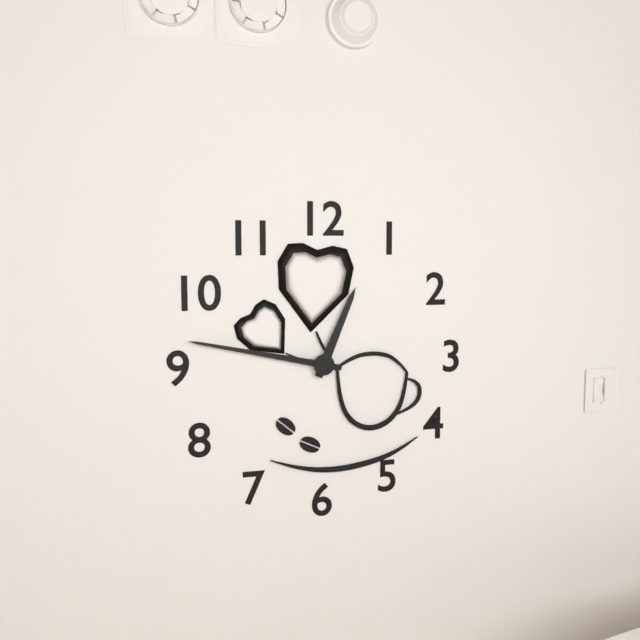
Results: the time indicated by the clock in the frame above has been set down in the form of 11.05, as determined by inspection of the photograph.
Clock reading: 12.47
